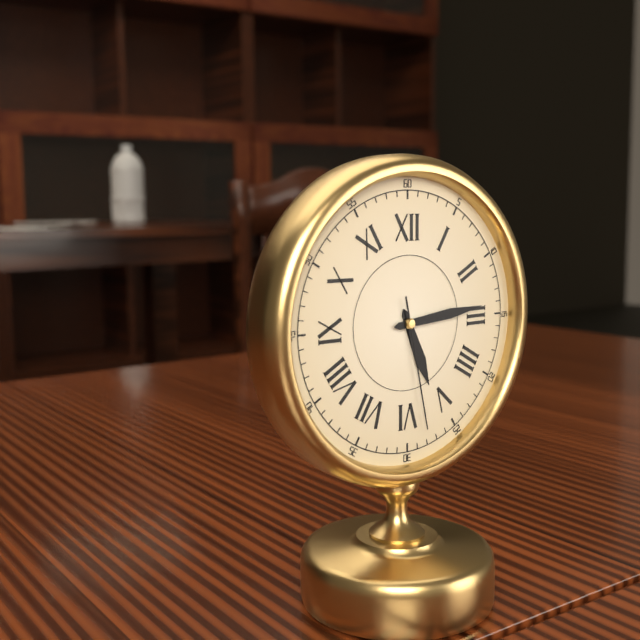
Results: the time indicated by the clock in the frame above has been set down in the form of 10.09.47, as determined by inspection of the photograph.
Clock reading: 5.14.28
